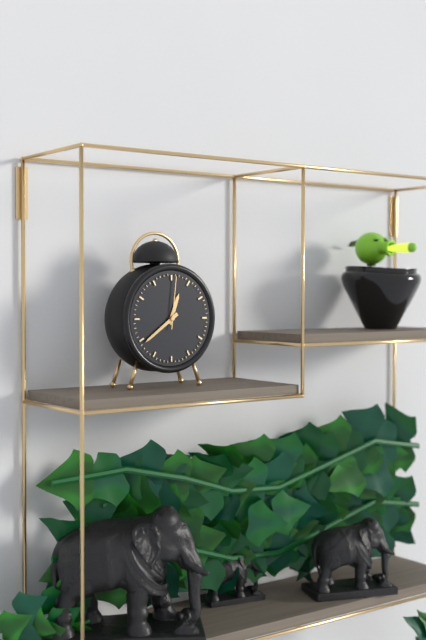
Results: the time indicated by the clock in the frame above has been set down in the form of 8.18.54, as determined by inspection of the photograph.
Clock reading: 12.39.01
